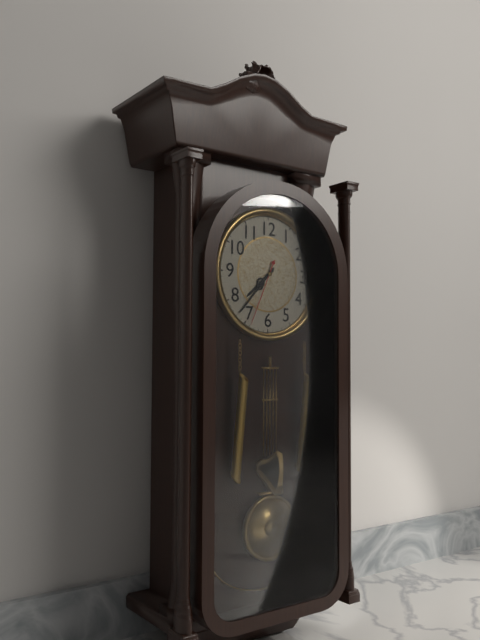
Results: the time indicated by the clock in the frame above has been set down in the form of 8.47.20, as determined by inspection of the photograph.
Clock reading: 7.37.34
